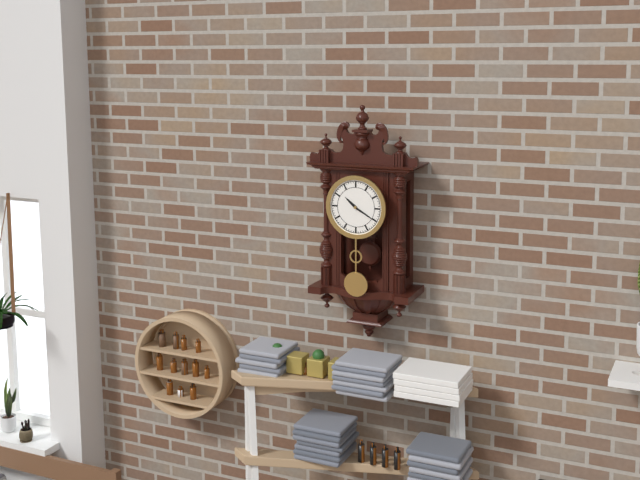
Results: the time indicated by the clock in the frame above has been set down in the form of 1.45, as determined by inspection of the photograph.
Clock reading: 10.20
